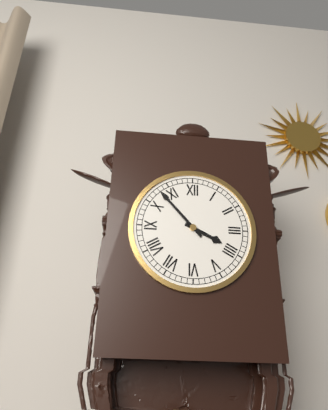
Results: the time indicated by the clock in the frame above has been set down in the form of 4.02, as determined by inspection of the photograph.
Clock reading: 3.53
